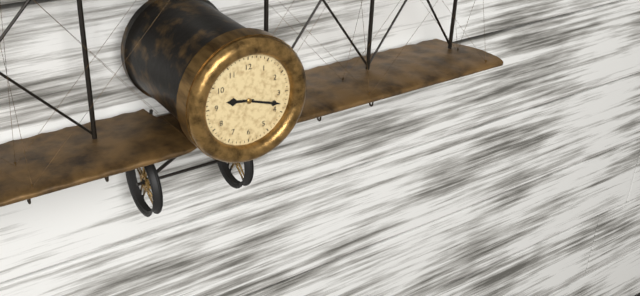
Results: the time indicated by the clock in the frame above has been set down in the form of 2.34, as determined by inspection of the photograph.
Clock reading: 9.18
